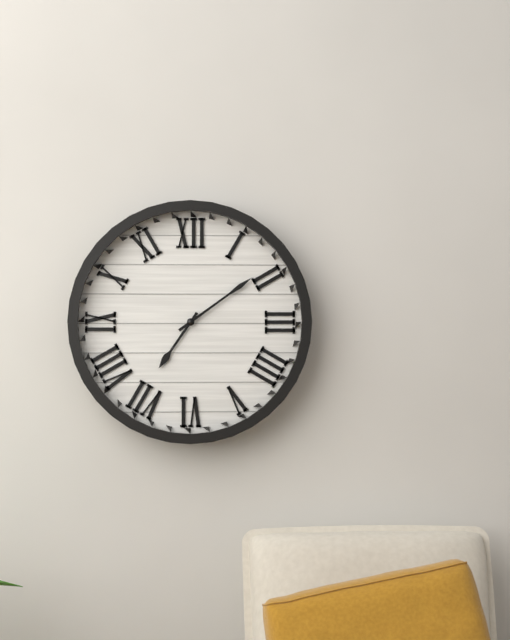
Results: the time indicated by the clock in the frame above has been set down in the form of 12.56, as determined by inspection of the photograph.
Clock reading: 7.09
